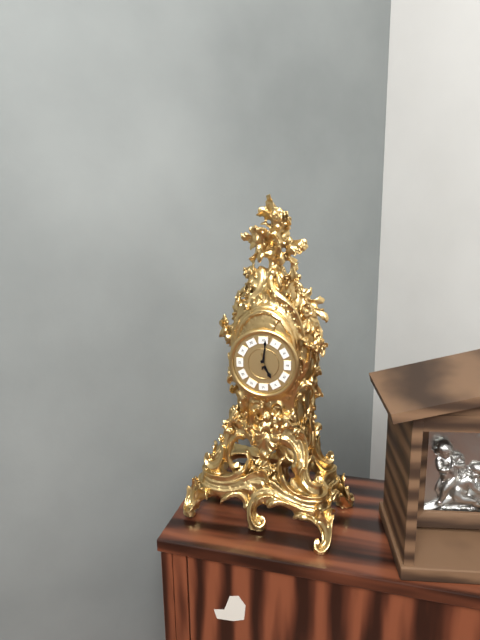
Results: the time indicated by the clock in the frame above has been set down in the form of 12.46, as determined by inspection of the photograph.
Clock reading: 5.01
